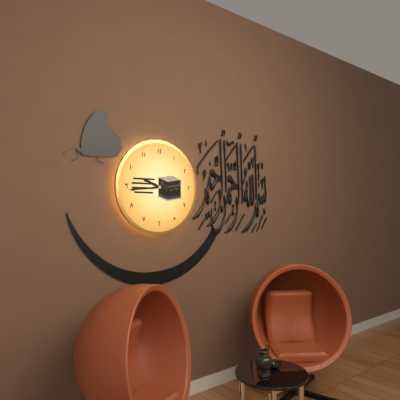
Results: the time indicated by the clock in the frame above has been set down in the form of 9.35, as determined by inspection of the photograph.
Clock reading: 9.44
